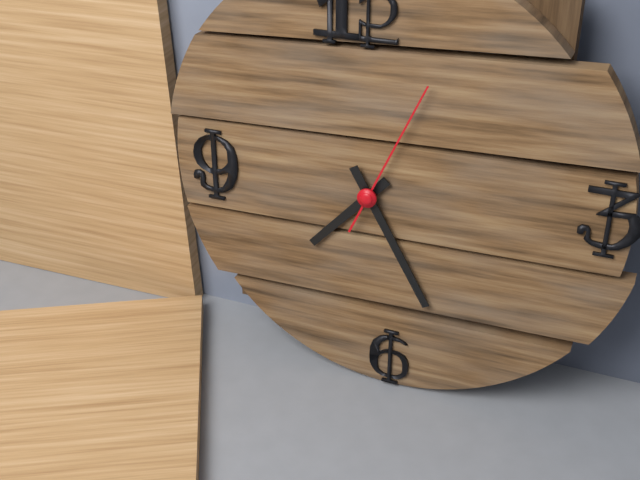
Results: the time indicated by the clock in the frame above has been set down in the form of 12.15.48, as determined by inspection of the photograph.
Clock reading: 7.25.04
